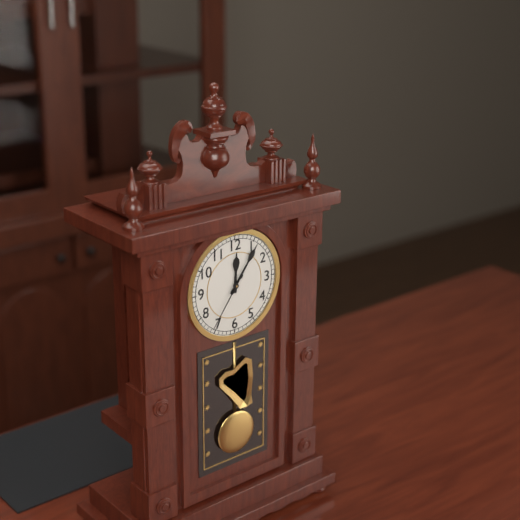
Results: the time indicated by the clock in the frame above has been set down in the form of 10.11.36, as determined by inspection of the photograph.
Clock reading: 12.06.36
